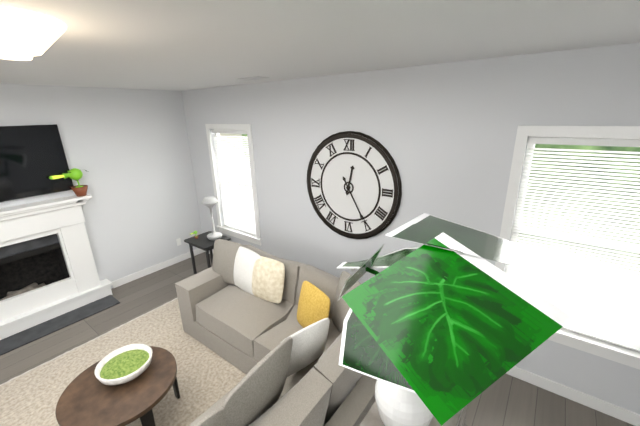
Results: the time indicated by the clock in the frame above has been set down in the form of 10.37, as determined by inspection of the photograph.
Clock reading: 12.25
